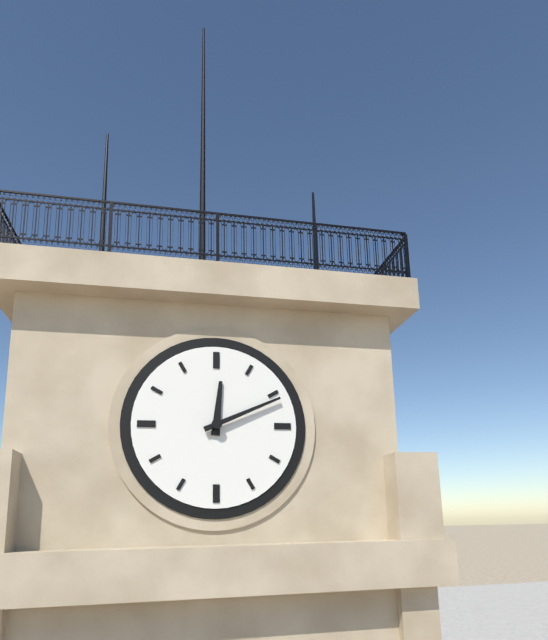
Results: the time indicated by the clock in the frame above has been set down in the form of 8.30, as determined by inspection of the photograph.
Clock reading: 12.11
